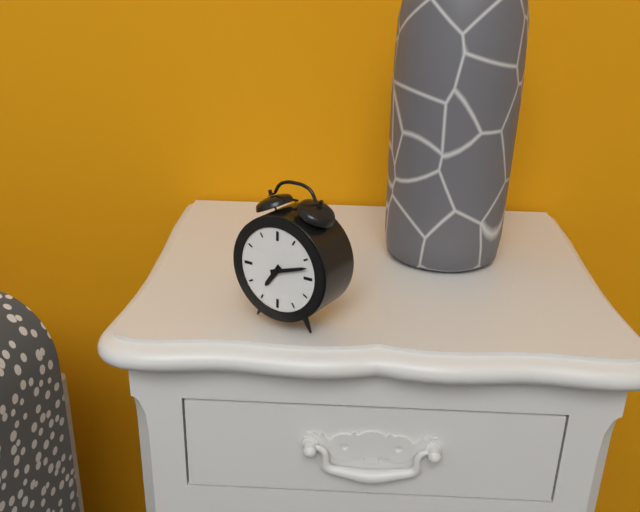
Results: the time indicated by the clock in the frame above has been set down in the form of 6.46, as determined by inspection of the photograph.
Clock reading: 7.12
